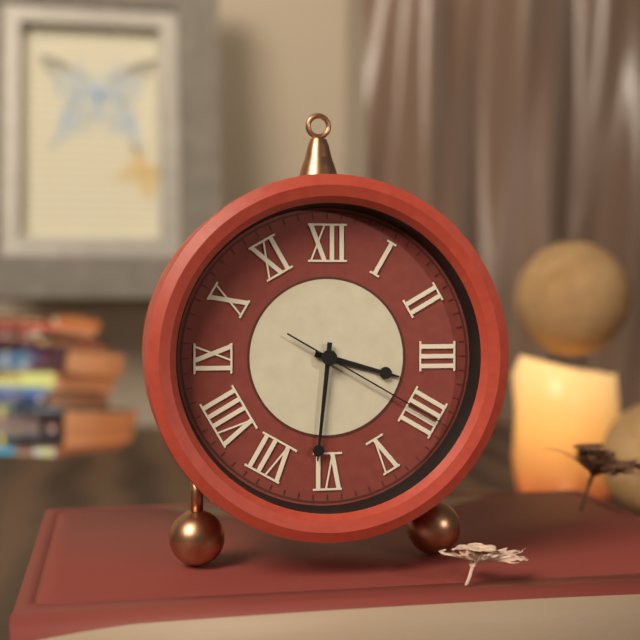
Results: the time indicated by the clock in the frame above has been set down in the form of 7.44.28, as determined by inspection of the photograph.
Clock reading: 3.31.20
